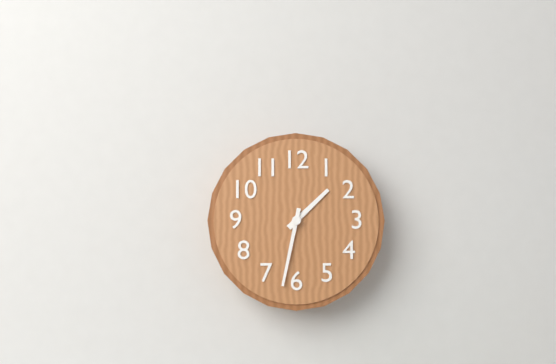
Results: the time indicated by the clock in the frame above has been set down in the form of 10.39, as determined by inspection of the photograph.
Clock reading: 1.32
